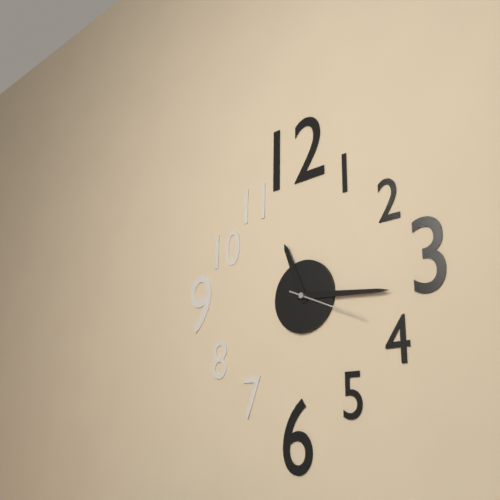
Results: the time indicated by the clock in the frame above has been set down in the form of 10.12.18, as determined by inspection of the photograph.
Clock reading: 11.16.19
